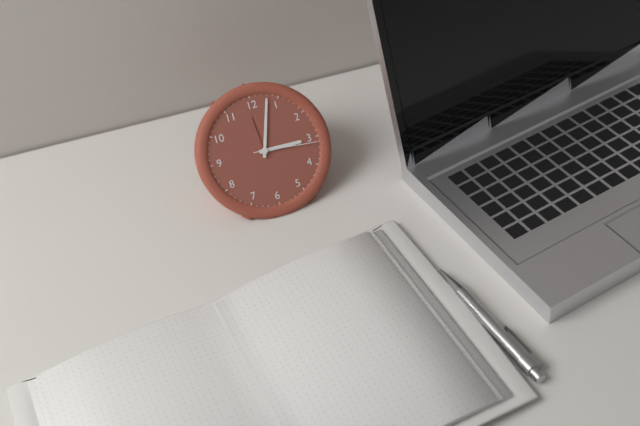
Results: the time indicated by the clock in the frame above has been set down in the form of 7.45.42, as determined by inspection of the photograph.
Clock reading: 3.03.16
